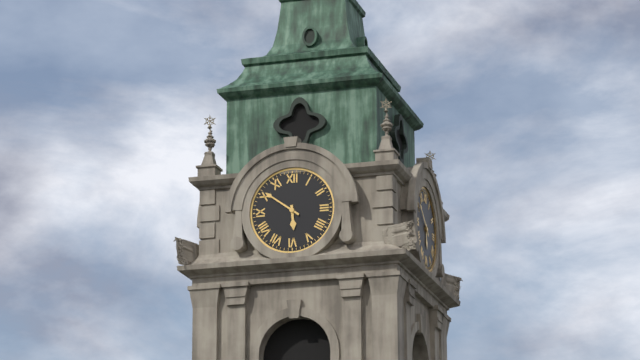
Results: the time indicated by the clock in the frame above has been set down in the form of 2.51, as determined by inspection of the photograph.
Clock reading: 5.51
